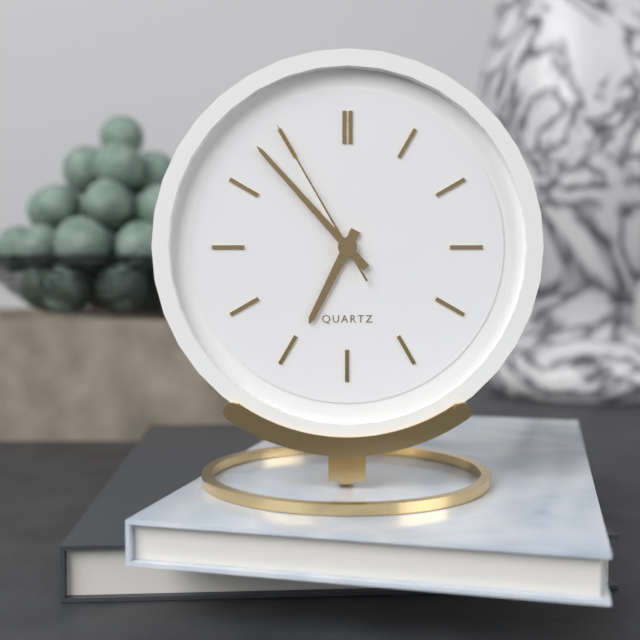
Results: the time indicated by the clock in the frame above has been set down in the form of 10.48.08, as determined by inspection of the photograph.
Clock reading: 6.53.55
